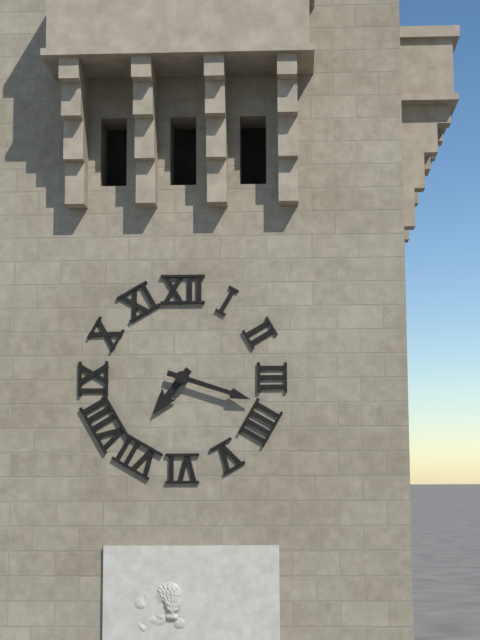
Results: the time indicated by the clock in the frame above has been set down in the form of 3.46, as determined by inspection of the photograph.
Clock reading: 7.18
